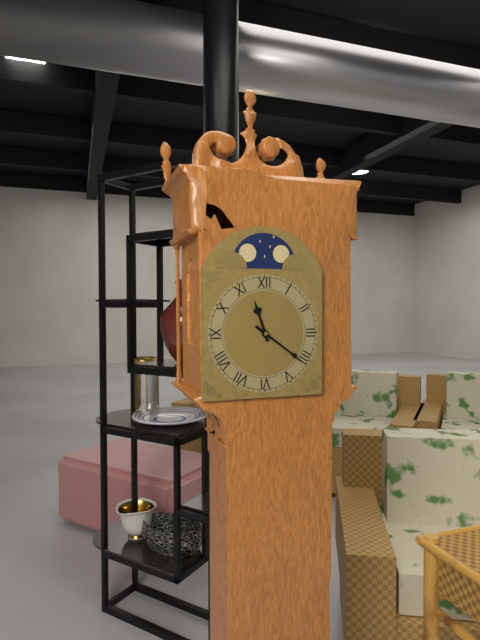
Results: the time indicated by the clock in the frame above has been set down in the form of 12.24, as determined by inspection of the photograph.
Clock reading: 11.21
